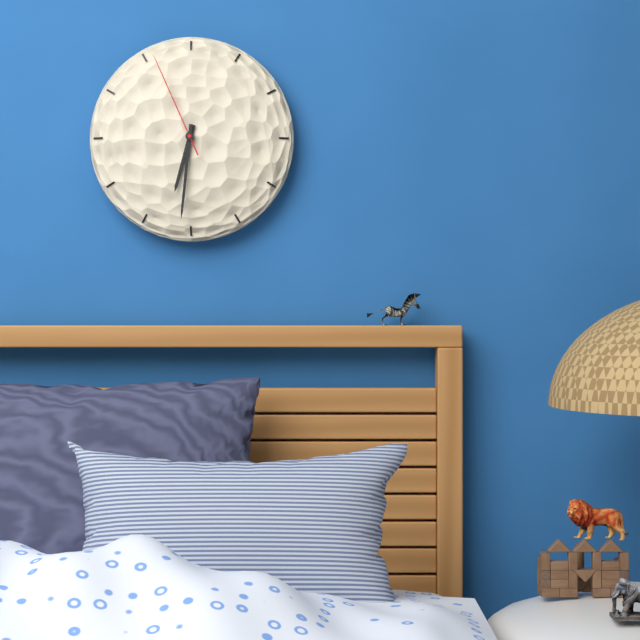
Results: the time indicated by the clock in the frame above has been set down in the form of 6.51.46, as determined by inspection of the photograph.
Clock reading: 6.31.56
